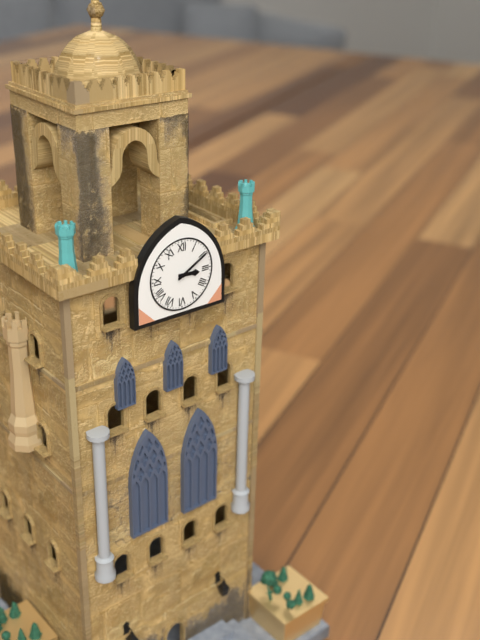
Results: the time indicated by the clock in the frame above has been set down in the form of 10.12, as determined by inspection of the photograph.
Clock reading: 3.10
